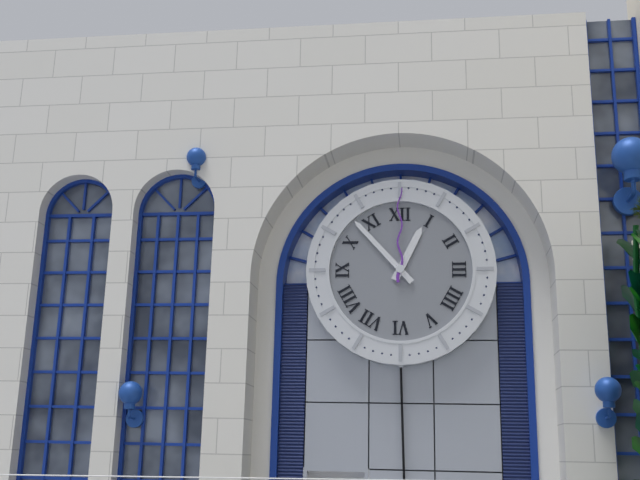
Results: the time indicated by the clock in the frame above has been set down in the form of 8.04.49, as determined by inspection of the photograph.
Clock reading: 12.53.00
